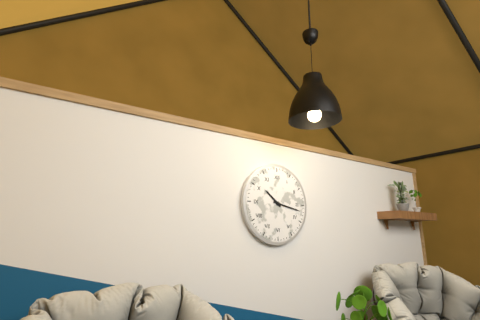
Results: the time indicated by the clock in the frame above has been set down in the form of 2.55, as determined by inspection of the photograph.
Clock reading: 10.17
